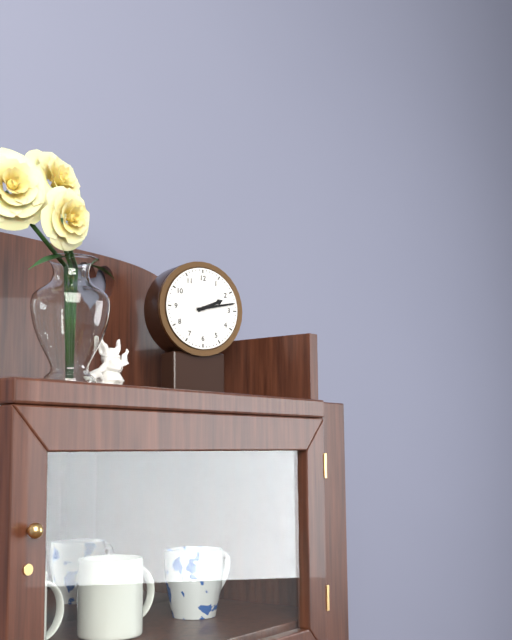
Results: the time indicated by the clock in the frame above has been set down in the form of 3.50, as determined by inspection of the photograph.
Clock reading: 2.13
